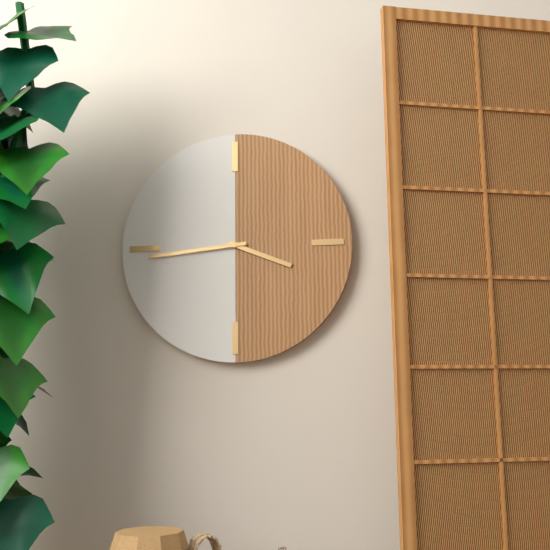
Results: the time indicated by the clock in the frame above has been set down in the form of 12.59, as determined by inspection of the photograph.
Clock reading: 3.44
